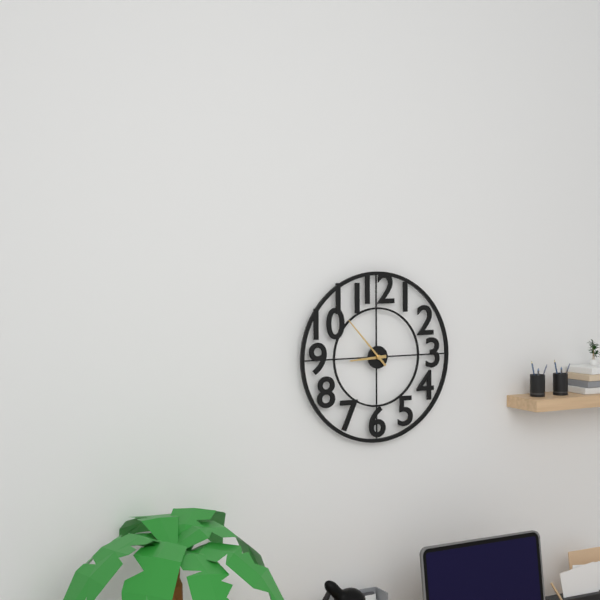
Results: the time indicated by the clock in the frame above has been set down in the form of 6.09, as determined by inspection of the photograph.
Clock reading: 8.53
